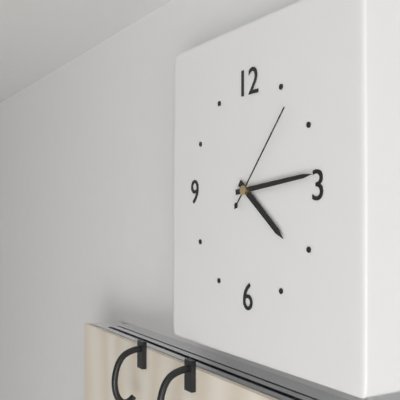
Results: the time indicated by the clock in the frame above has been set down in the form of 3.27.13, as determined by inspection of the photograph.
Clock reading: 4.14.07
